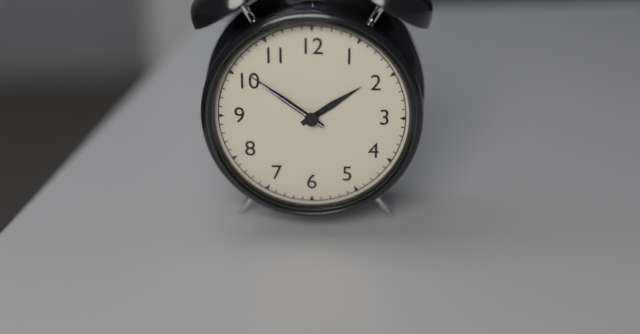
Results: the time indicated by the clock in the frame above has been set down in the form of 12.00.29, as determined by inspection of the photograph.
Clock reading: 1.51.51
